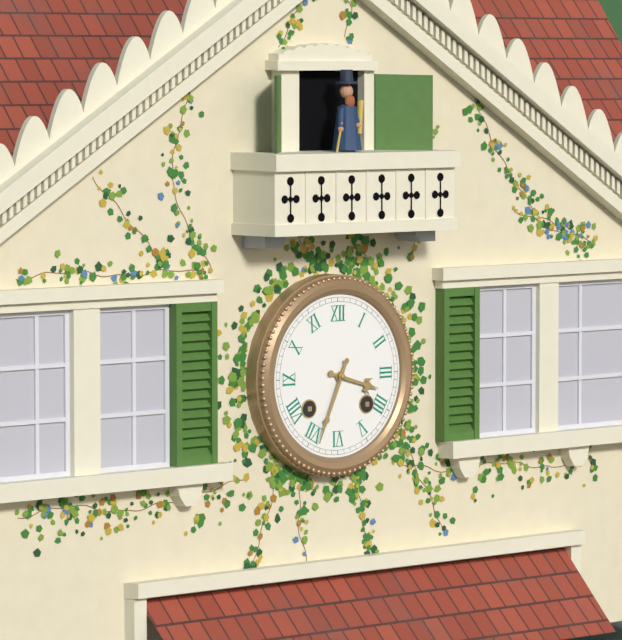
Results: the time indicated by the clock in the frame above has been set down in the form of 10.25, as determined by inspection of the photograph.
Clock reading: 3.34
